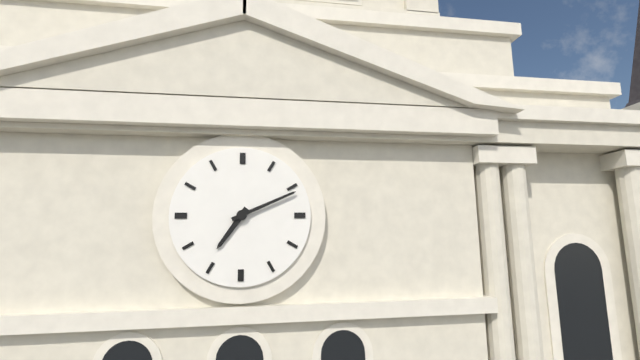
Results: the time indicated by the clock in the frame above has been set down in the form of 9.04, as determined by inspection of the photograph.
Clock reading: 7.11
